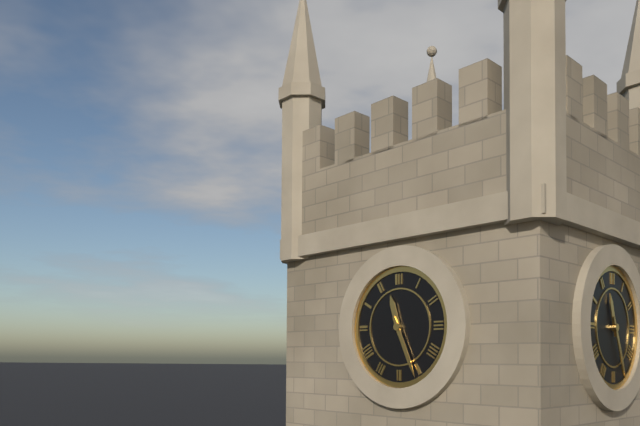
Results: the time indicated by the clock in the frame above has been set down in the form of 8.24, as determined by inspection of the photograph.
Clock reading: 11.26
